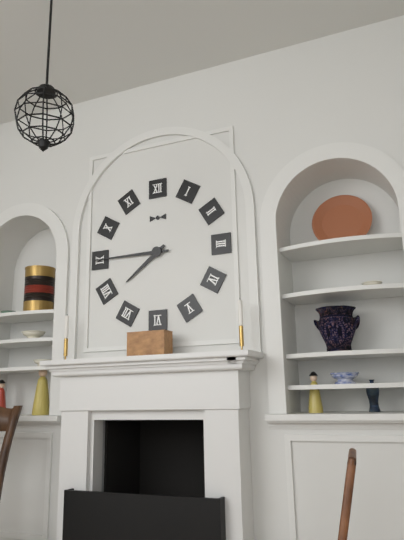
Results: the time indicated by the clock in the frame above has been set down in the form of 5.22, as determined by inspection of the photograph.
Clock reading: 7.45
